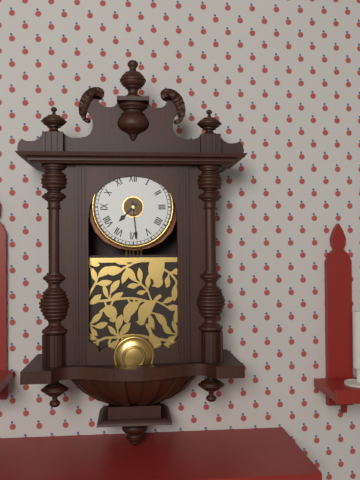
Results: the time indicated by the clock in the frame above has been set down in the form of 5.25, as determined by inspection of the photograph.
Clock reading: 7.29
